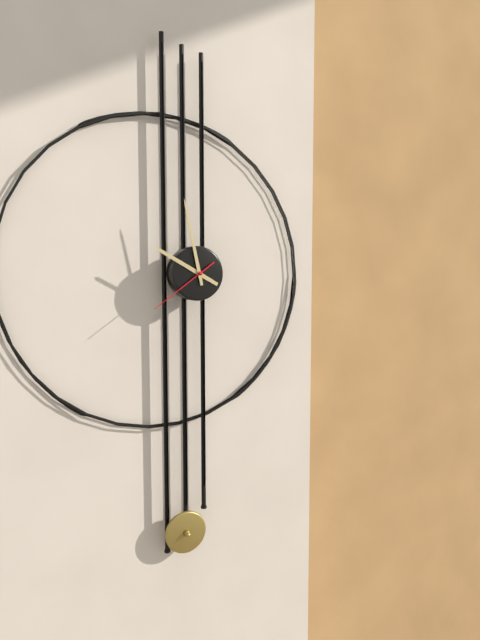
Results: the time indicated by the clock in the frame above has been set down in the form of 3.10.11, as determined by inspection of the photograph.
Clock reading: 9.58.39
